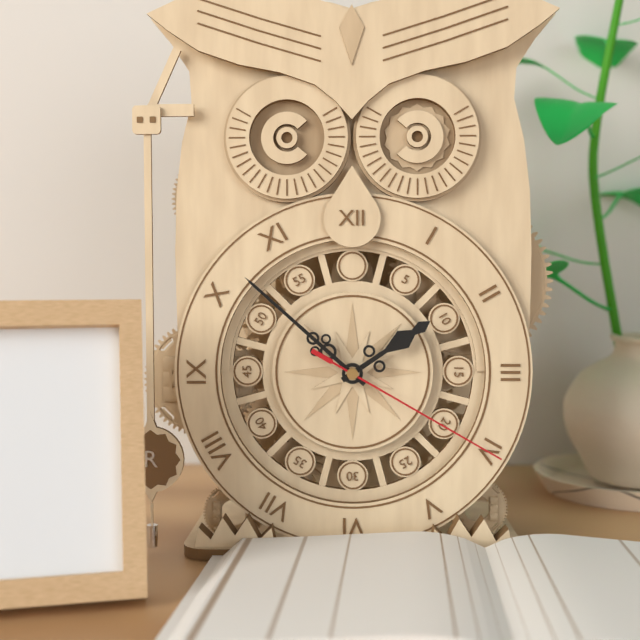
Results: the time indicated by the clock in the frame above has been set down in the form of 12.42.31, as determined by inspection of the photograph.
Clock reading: 1.52.20
